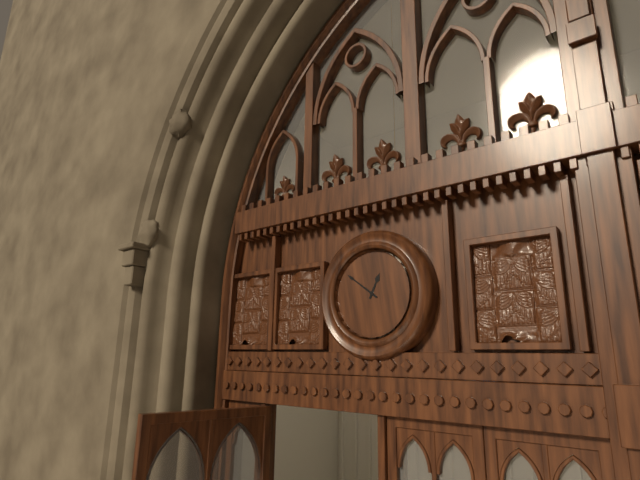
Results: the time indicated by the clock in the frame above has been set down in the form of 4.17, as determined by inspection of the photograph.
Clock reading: 12.51
